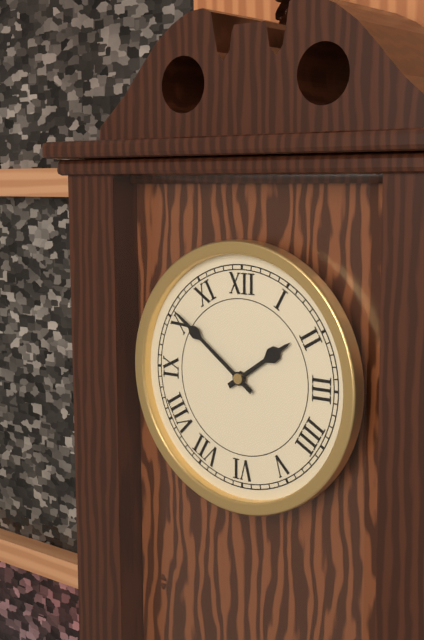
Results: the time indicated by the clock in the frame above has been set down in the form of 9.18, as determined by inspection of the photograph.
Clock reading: 1.51
